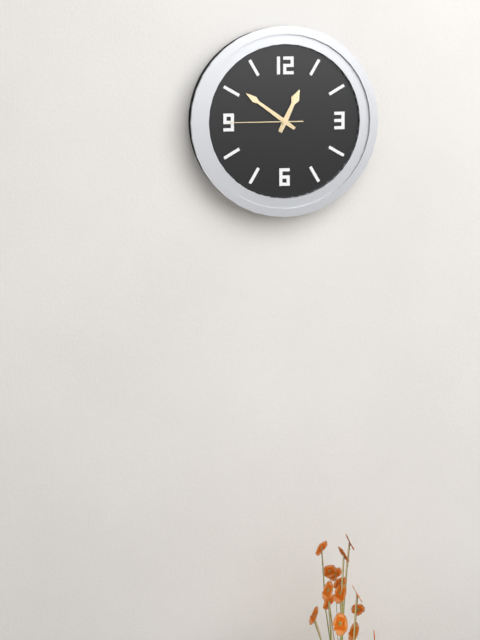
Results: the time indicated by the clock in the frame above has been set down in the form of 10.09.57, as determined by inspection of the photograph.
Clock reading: 12.51.45
